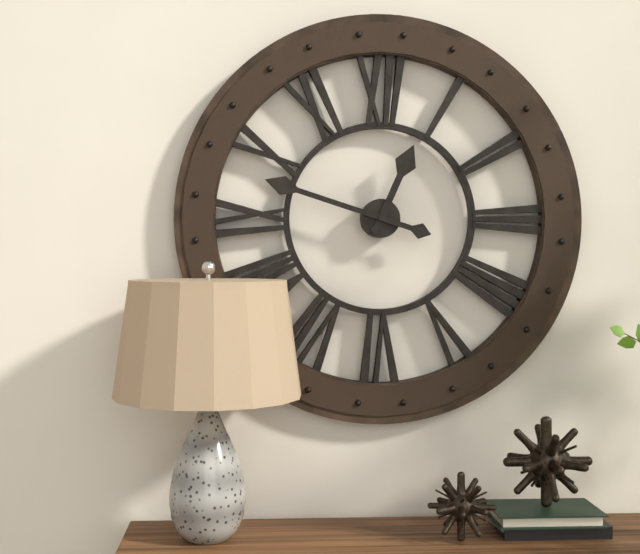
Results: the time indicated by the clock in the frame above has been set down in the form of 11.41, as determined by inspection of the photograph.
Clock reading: 12.48
